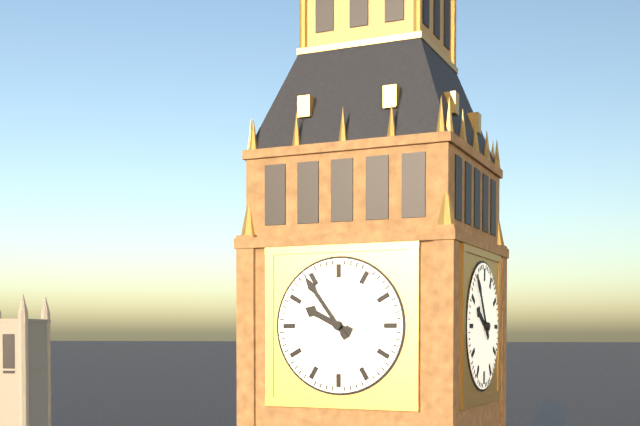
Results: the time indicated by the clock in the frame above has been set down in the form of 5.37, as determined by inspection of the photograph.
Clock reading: 9.54
